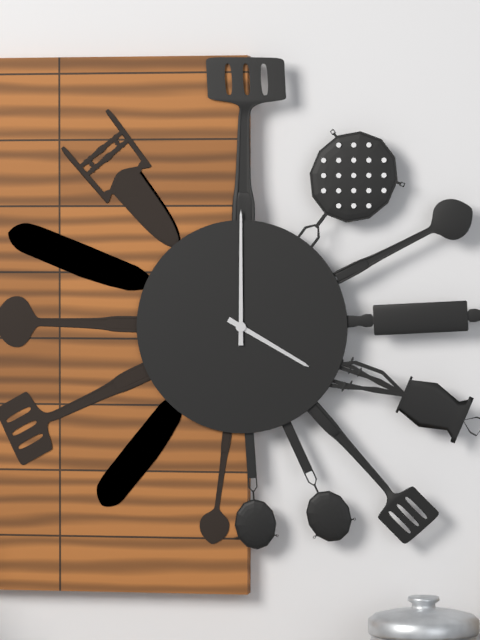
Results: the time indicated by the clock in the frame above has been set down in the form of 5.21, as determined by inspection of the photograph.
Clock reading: 4.00
